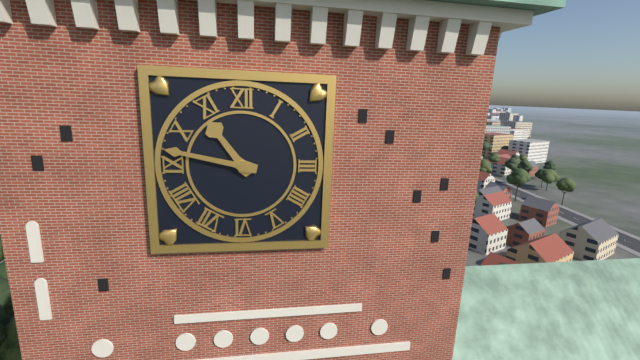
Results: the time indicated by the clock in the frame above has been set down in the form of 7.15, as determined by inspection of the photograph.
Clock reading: 10.47
